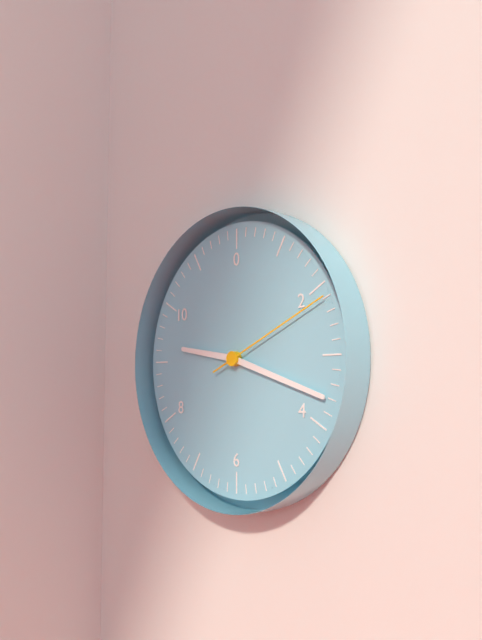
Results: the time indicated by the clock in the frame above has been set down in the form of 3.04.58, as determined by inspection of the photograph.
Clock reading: 9.18.11
